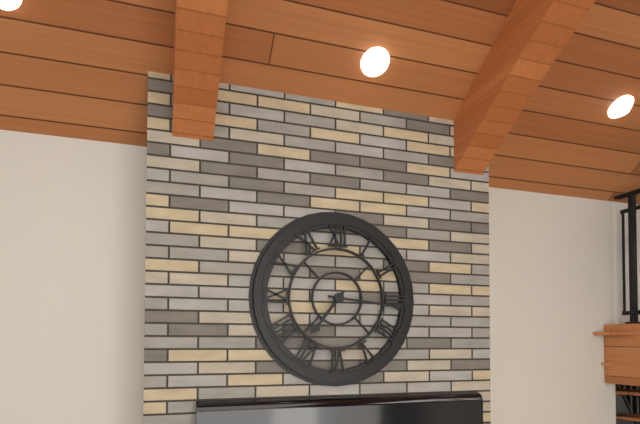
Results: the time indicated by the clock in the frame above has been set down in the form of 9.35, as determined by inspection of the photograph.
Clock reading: 7.16
